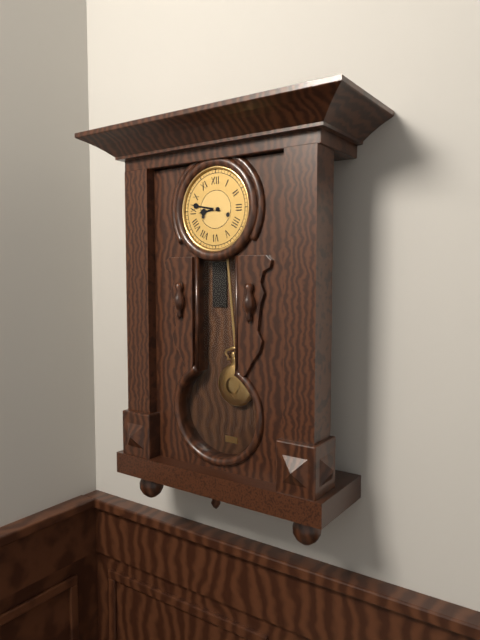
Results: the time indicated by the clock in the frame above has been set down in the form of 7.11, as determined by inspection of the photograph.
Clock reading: 8.47
